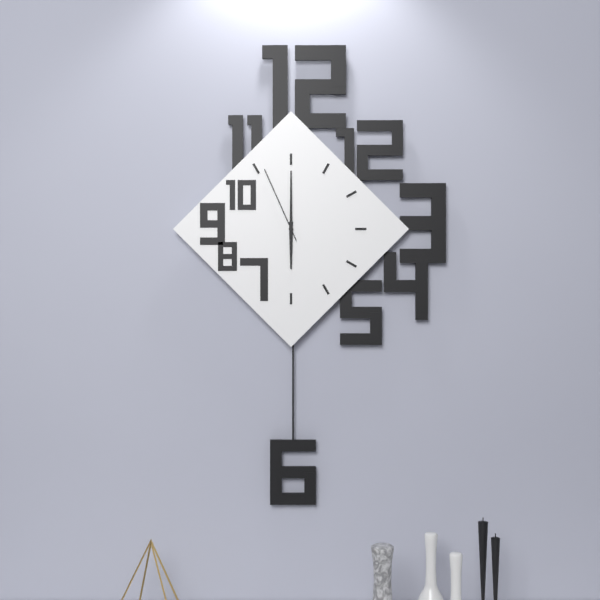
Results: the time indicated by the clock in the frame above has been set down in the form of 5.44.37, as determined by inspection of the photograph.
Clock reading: 6.00.56
